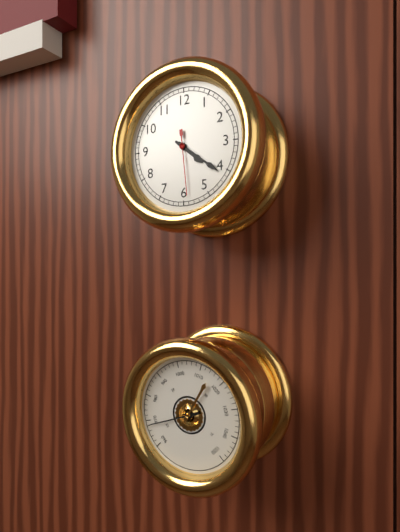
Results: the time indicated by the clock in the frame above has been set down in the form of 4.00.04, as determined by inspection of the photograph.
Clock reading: 4.21.29
